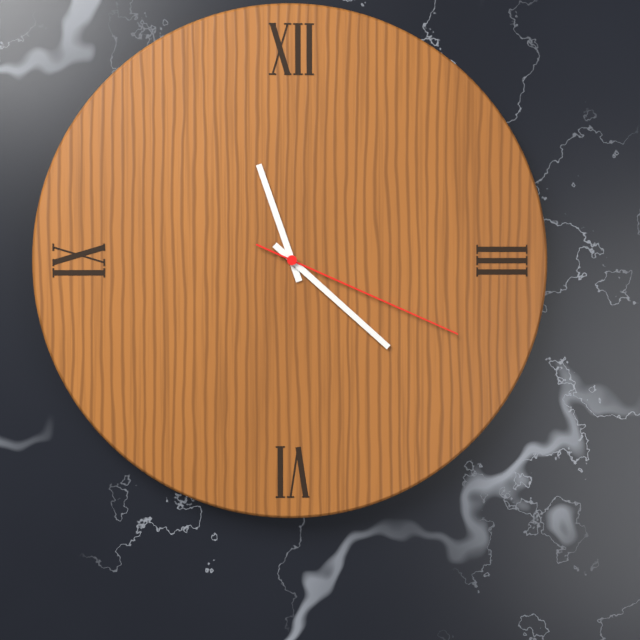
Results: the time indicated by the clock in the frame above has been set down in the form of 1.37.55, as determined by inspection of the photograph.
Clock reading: 11.22.19
